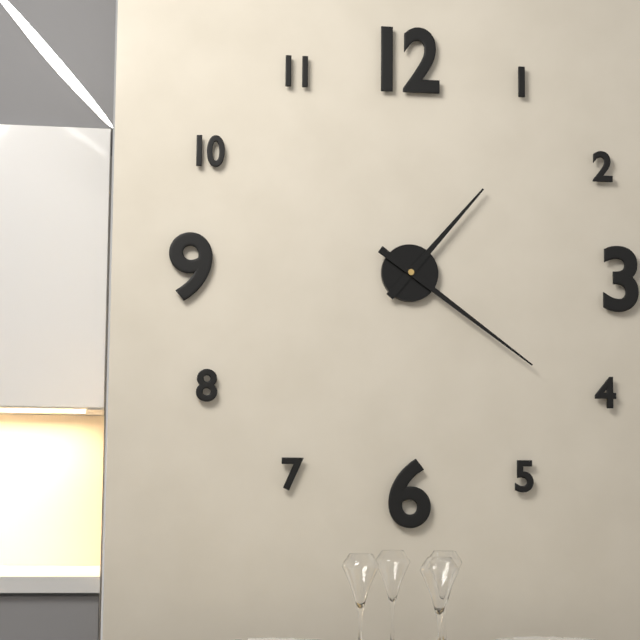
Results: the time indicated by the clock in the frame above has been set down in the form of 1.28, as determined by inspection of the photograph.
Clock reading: 1.21
